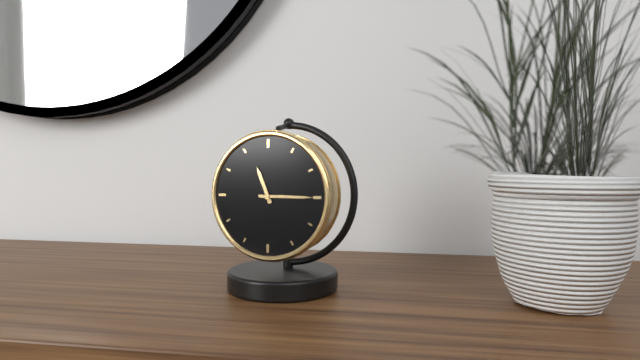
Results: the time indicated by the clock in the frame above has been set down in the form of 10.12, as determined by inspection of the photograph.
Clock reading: 11.15
